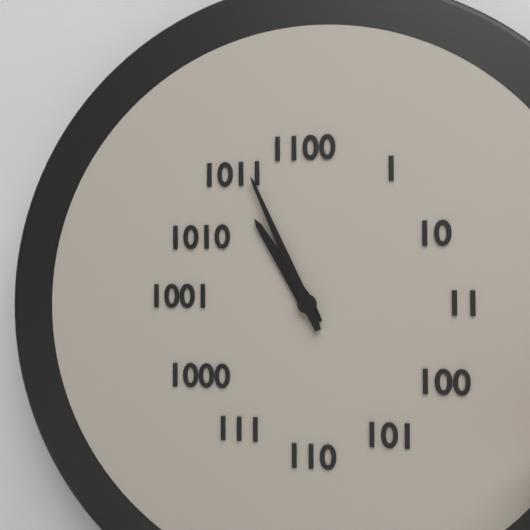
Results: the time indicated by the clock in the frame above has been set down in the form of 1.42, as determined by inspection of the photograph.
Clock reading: 10.56
